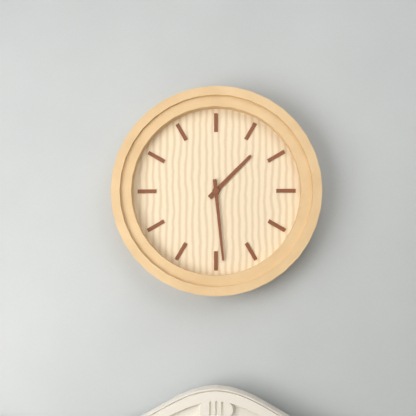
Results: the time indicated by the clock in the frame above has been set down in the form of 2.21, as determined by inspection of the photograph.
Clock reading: 1.29
